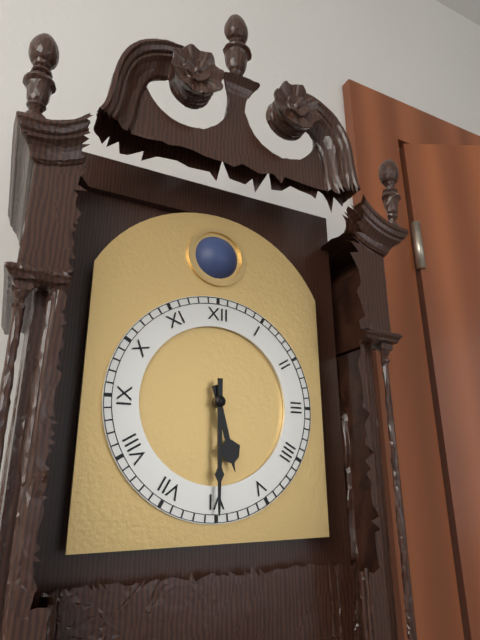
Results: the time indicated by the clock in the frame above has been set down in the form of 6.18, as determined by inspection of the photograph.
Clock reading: 5.30
